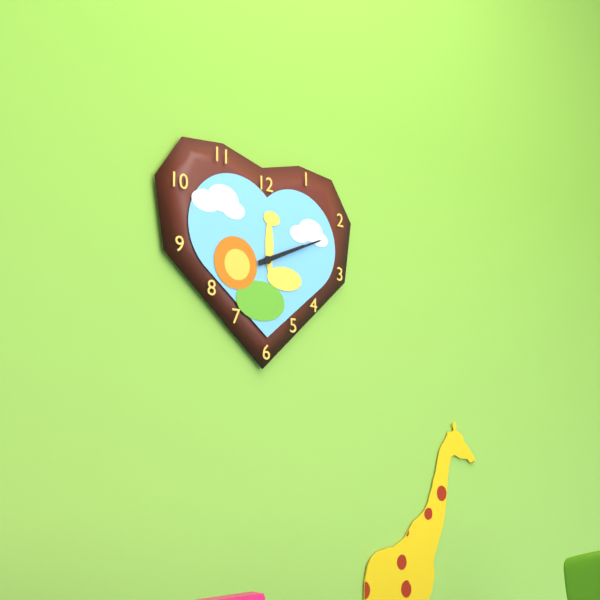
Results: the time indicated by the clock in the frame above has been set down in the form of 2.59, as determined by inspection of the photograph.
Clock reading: 2.11
